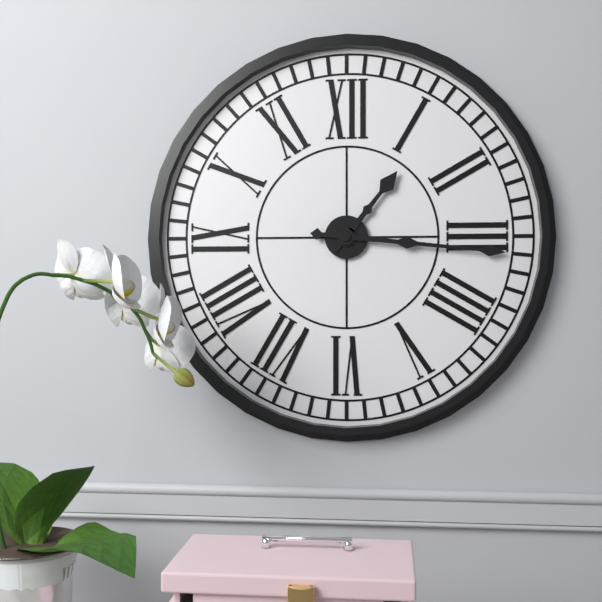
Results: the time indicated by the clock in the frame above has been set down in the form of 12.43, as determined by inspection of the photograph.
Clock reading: 1.16
